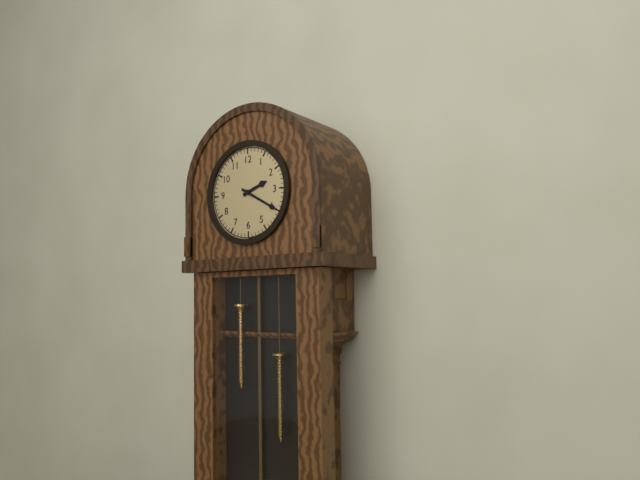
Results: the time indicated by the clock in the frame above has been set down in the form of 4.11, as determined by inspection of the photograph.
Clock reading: 2.20
